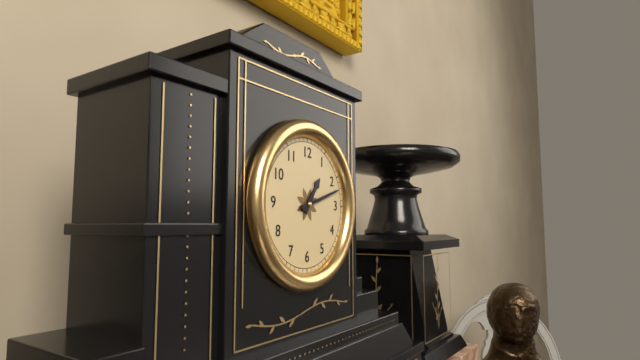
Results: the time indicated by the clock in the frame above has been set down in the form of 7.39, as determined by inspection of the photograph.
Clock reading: 1.12
